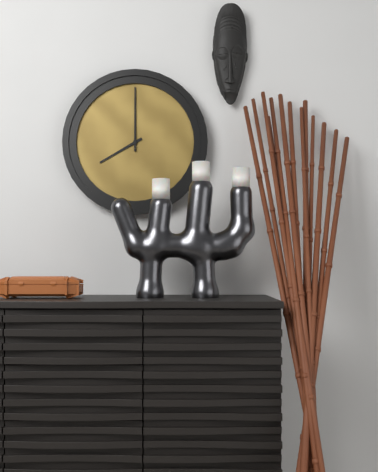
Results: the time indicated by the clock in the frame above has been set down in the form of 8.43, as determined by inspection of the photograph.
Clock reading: 8.00
